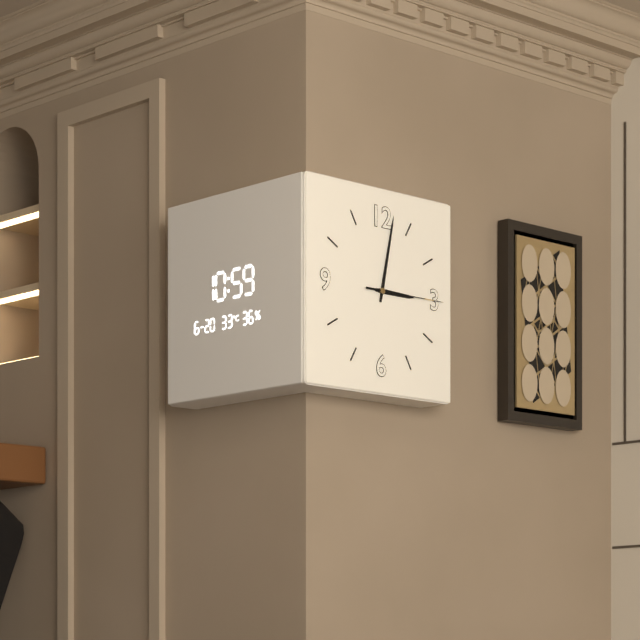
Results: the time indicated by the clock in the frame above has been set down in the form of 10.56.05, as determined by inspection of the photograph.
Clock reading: 3.02.15
